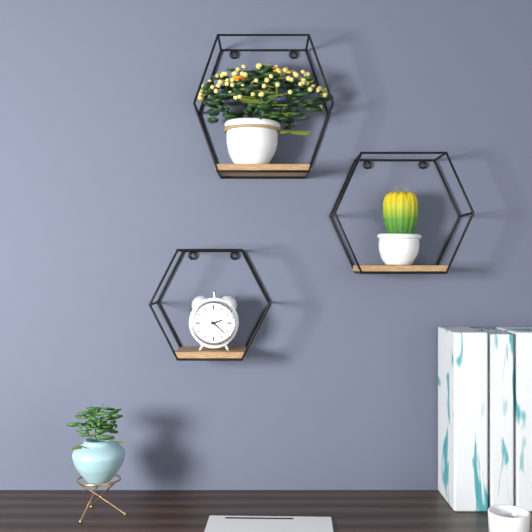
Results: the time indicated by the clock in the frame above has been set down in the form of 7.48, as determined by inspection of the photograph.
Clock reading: 2.22
